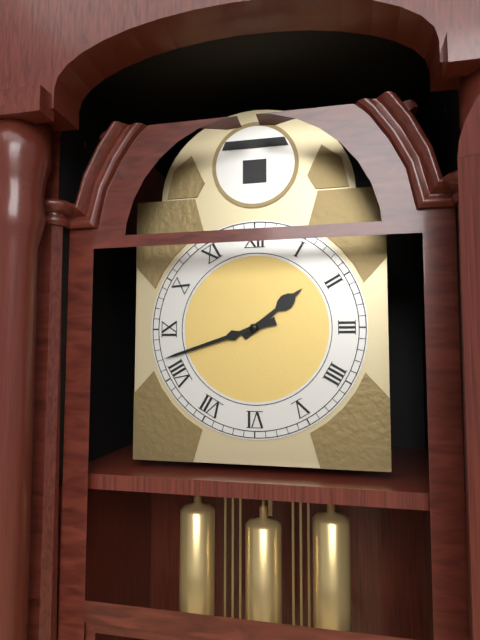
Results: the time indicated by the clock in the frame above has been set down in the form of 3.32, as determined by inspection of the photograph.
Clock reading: 1.42
